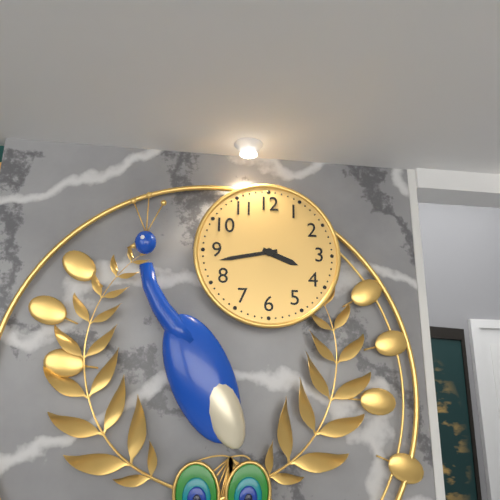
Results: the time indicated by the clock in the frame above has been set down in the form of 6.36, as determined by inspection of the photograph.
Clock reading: 3.43
